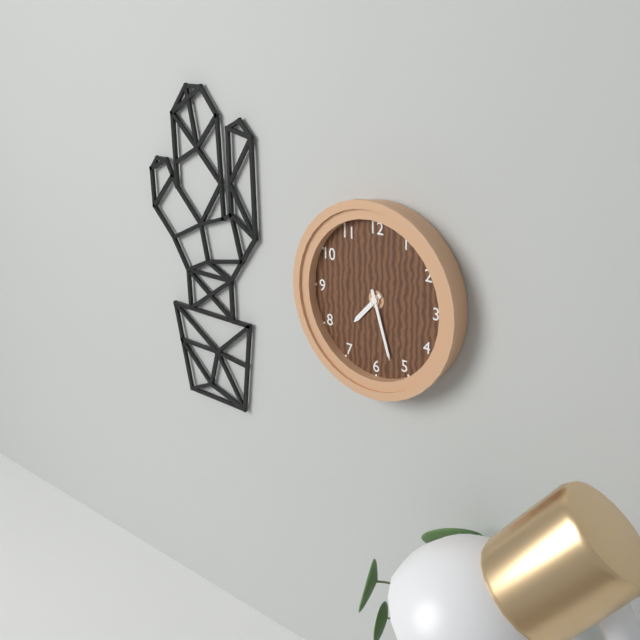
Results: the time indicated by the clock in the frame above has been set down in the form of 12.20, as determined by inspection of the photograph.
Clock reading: 7.27
